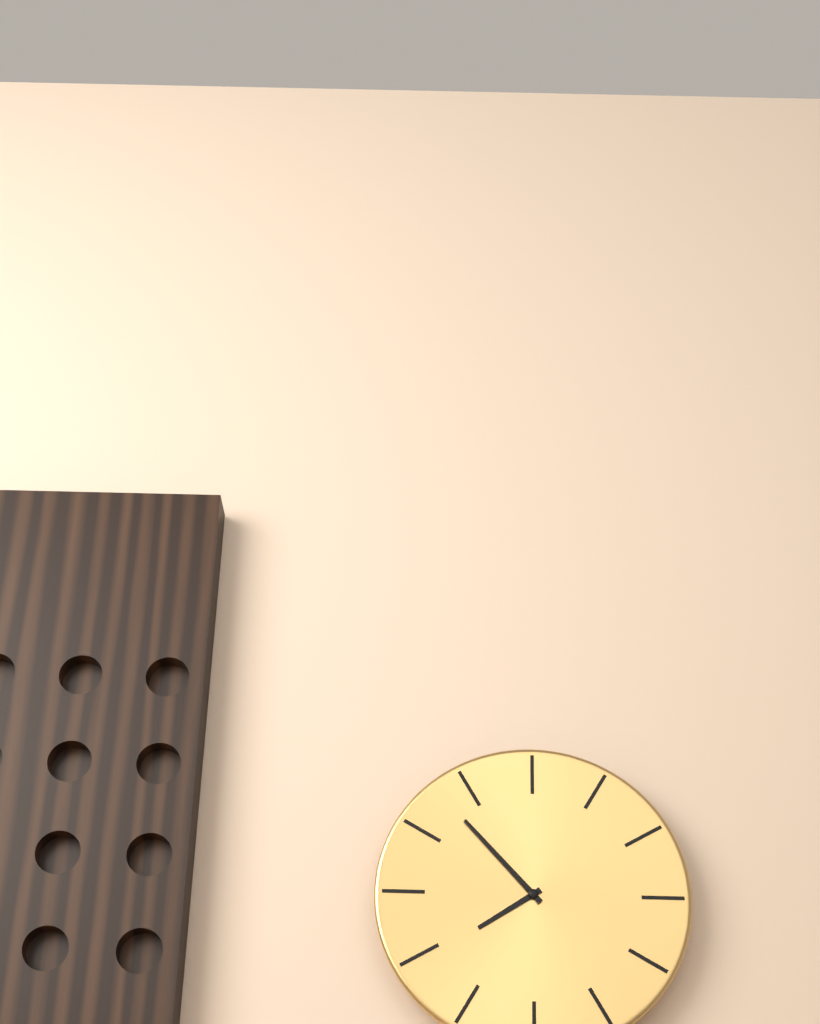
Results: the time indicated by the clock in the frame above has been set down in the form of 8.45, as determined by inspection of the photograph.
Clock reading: 7.53
